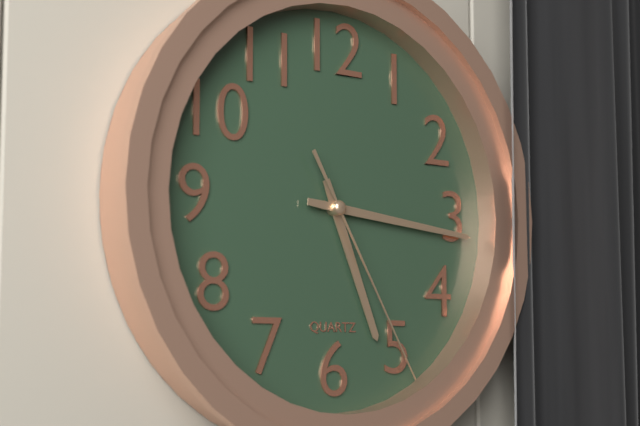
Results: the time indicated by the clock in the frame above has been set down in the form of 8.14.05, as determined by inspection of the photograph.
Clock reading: 5.16.25
